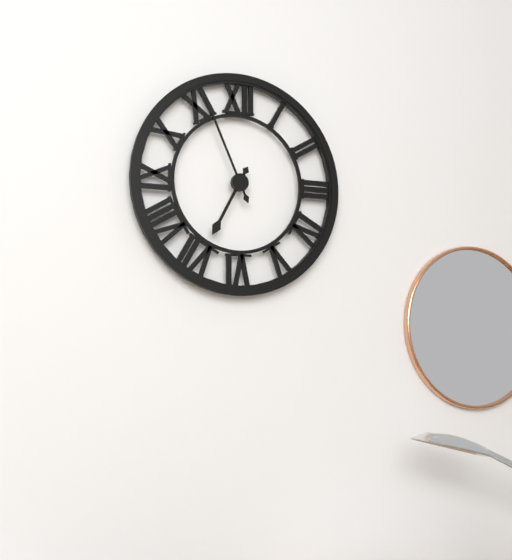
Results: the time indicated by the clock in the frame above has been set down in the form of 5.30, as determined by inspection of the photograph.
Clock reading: 6.56
